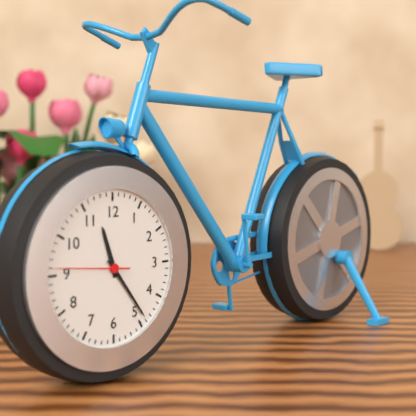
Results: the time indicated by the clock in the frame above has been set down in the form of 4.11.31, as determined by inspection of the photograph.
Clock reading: 11.24.46
